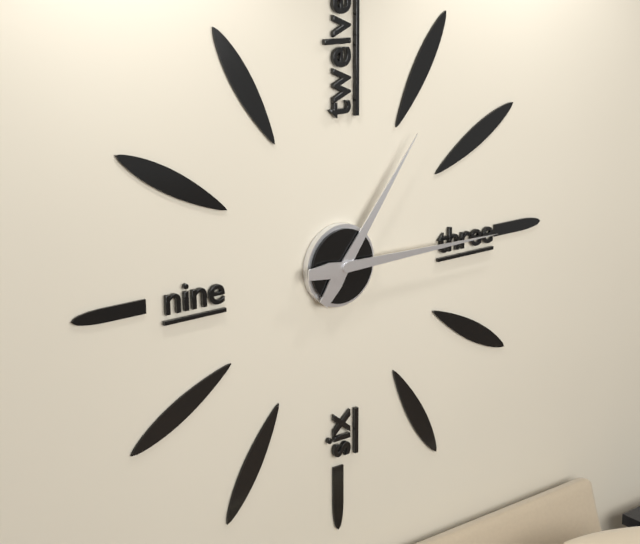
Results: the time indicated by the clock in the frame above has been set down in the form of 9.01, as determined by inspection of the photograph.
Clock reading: 1.15
